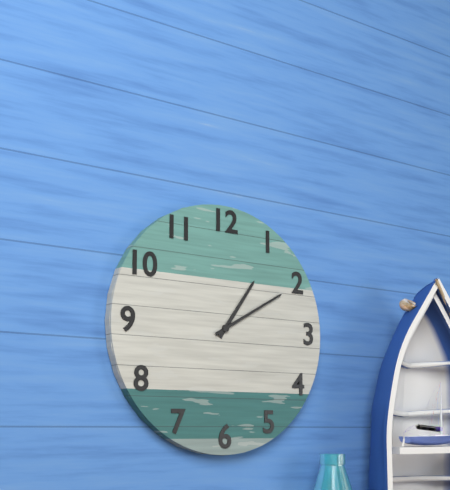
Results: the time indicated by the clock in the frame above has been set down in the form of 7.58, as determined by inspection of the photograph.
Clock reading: 1.10
